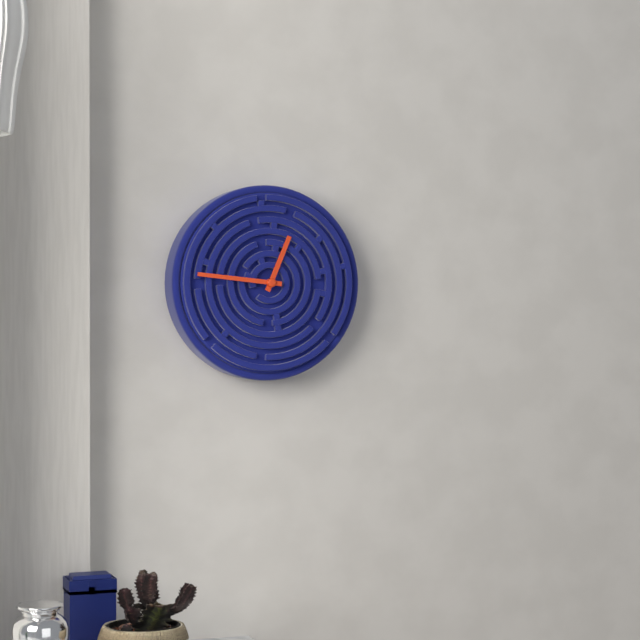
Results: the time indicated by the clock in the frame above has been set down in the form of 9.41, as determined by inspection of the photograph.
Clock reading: 12.46
